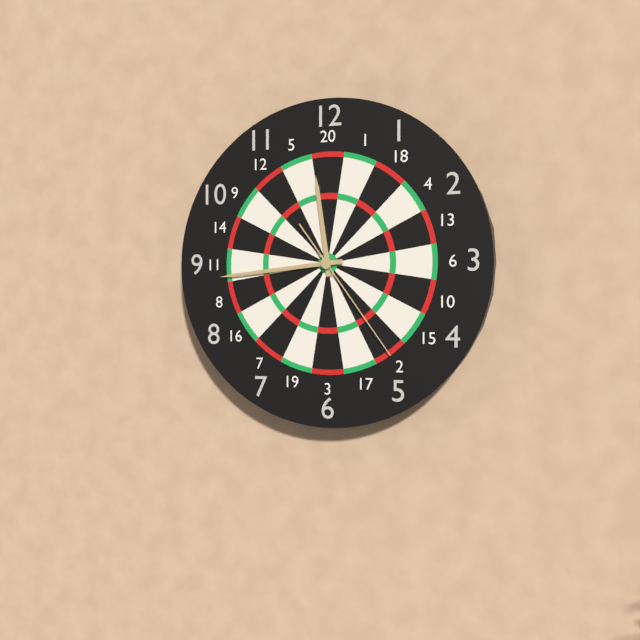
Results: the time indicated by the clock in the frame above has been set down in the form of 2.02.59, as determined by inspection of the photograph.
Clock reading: 11.44.24
